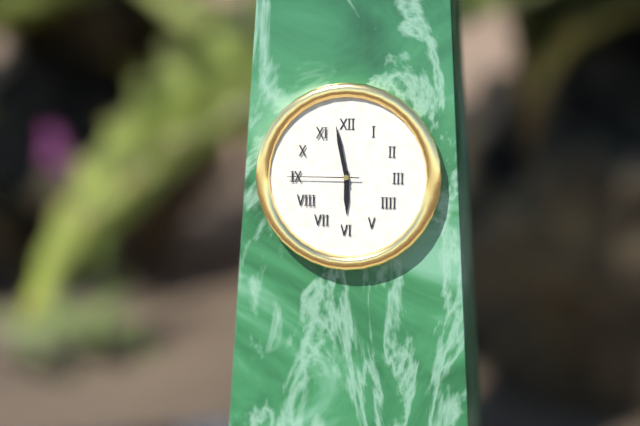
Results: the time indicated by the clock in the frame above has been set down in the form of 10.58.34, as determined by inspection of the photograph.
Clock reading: 5.58.45
